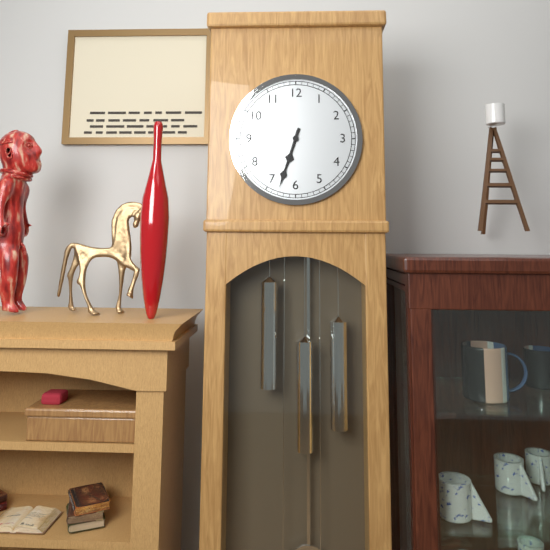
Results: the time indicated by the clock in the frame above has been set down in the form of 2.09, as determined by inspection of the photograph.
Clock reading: 6.33
